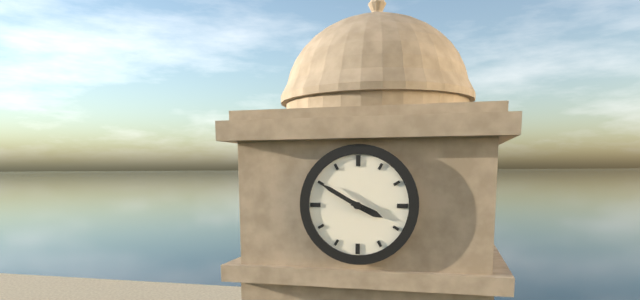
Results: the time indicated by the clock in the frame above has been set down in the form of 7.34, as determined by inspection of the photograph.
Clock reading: 3.50
